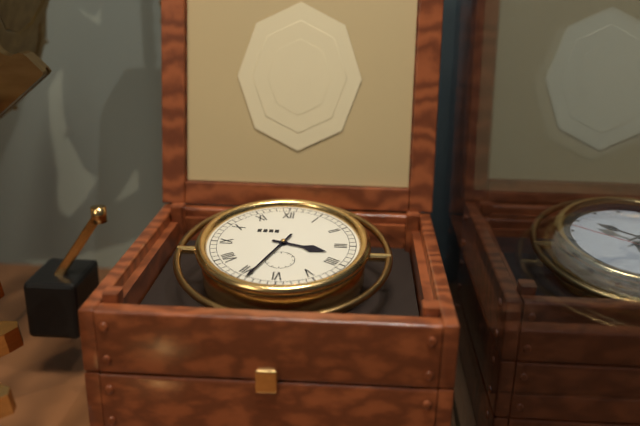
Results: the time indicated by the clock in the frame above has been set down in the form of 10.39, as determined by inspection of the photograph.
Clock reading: 3.34
